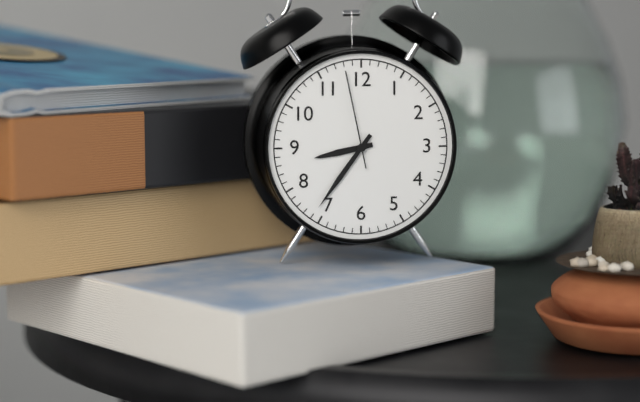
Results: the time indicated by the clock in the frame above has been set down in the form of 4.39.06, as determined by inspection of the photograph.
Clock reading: 8.36.58
